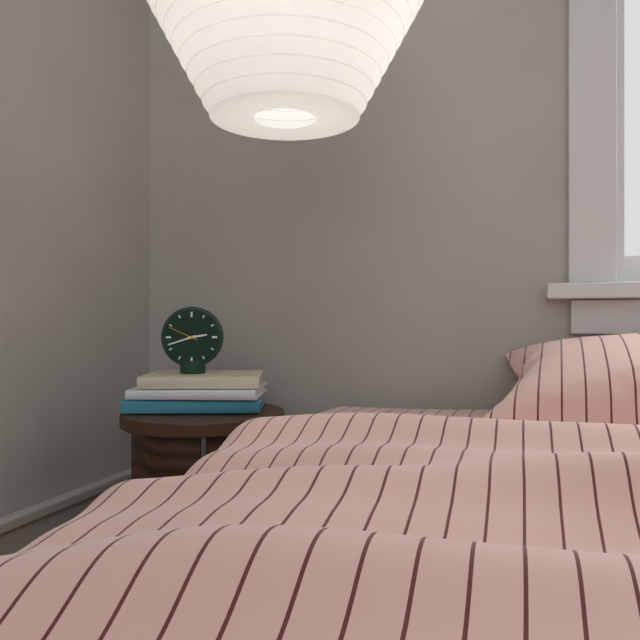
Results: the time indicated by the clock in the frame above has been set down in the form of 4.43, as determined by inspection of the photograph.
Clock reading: 2.42
